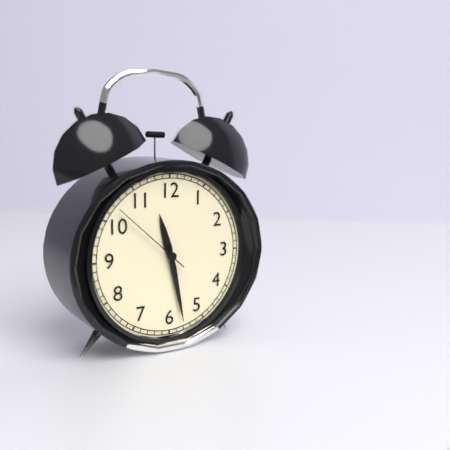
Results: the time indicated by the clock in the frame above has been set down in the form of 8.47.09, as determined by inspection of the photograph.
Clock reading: 11.28.52
